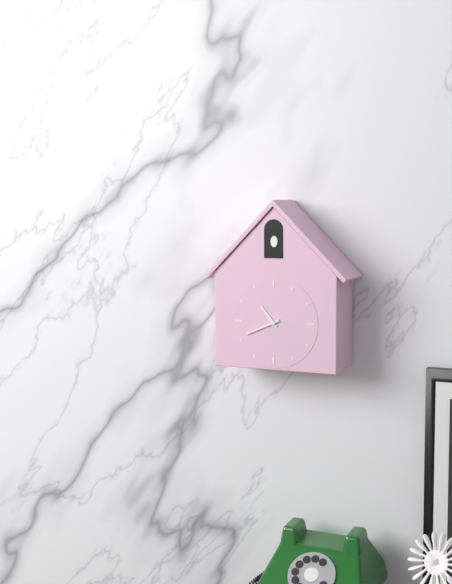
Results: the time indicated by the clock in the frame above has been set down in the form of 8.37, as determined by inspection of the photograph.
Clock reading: 10.41
